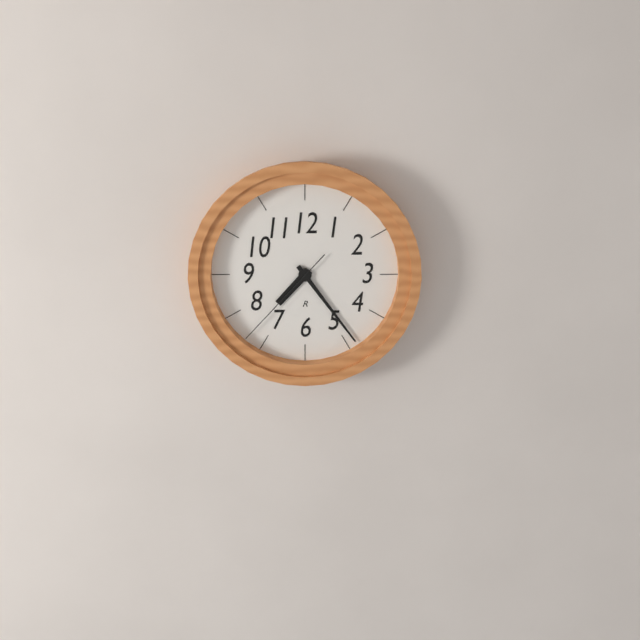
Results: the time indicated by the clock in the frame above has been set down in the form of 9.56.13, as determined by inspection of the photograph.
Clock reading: 7.24.37
